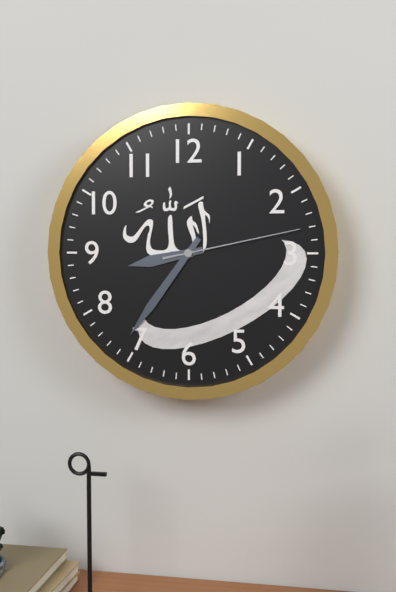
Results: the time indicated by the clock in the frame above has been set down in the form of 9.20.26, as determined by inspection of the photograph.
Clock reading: 8.36.13
